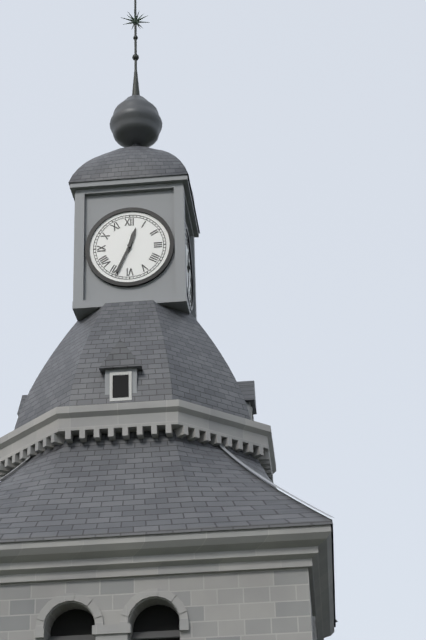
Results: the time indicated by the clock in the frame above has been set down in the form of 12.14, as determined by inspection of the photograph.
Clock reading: 12.34
